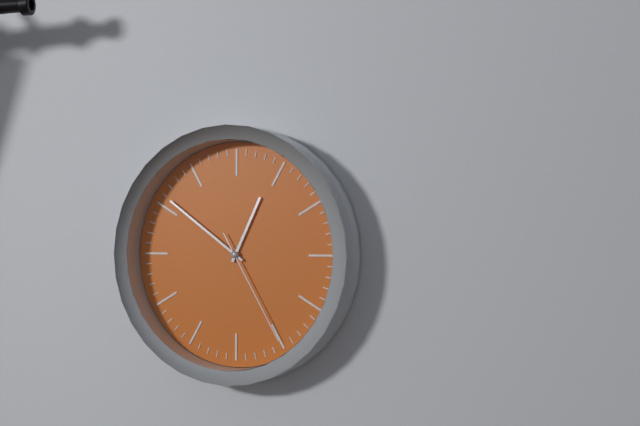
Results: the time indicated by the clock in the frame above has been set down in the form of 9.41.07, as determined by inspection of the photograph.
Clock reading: 12.51.25
